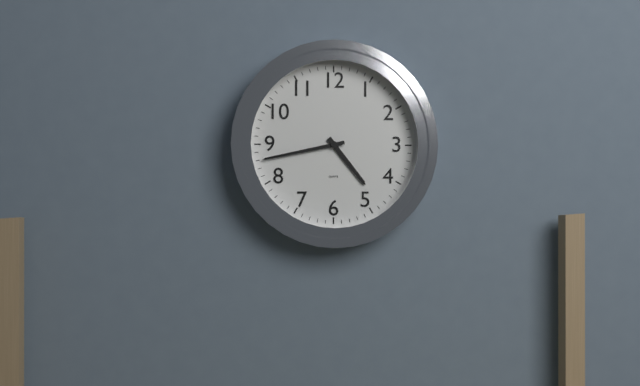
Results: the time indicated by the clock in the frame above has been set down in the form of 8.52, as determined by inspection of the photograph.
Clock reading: 4.43
